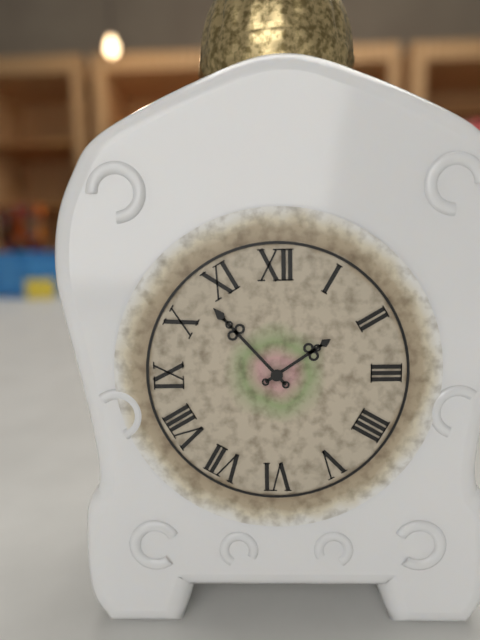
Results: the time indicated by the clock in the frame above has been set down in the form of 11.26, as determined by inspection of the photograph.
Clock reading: 1.53
